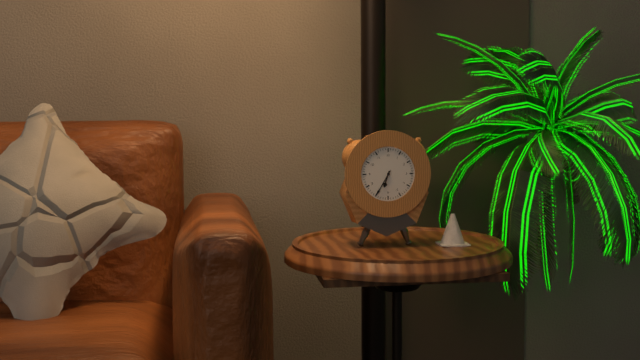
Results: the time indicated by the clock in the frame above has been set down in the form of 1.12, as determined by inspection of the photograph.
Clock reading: 6.35
